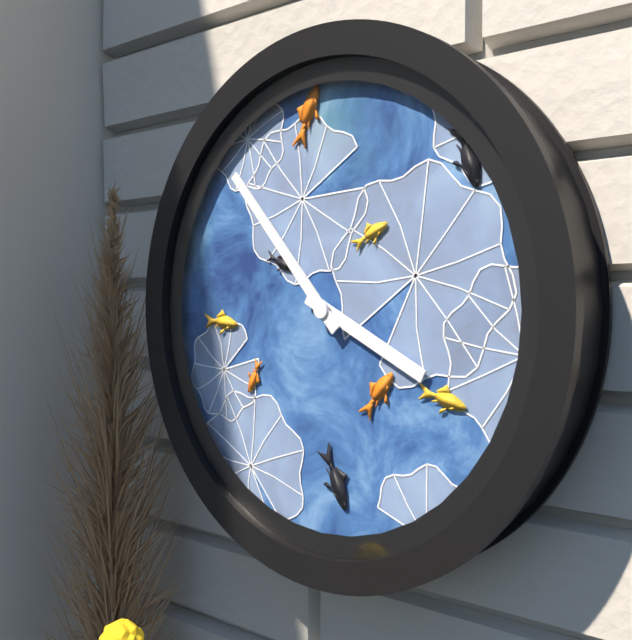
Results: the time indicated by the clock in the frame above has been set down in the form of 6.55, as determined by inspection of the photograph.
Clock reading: 3.53
